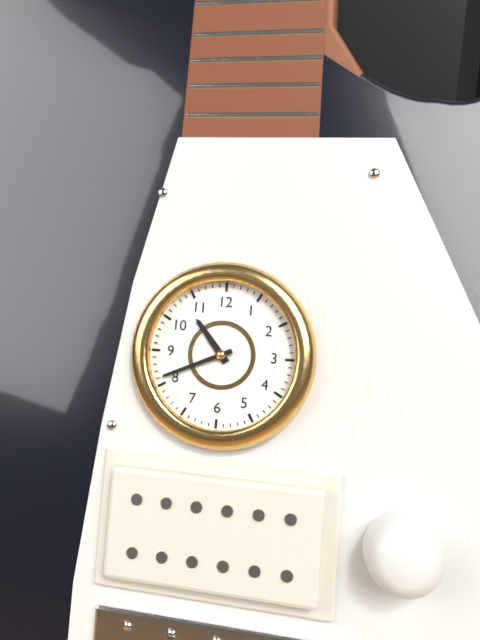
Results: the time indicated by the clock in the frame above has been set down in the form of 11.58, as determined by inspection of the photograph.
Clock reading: 10.41
